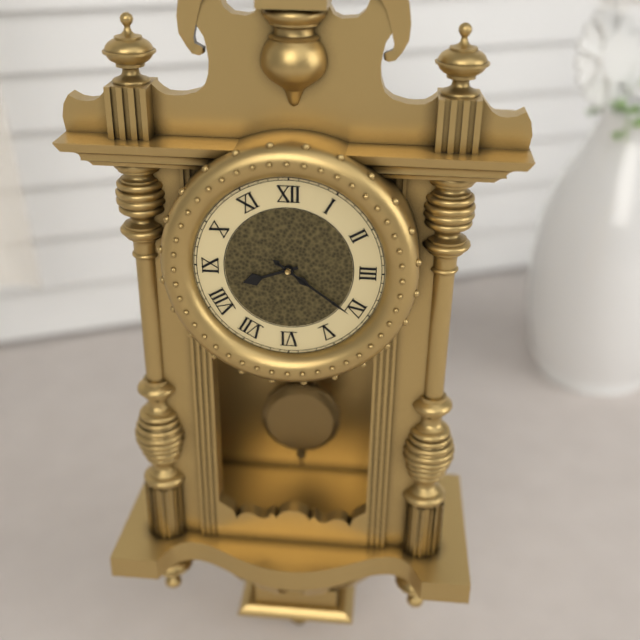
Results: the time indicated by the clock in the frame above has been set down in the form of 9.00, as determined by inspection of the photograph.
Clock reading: 8.21
